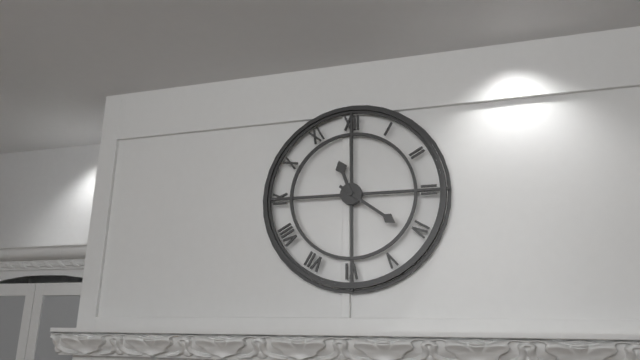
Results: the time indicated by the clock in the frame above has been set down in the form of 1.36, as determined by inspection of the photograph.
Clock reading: 11.21
